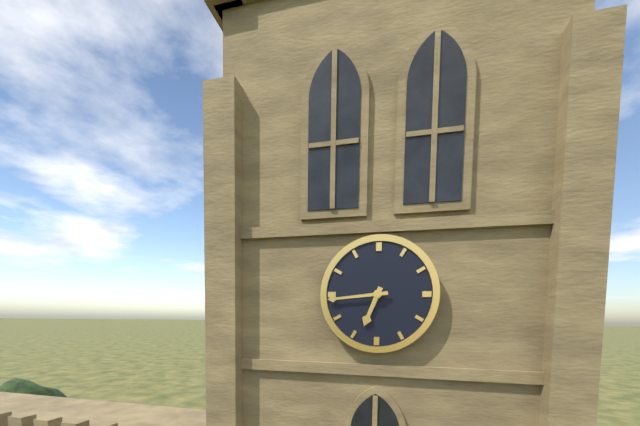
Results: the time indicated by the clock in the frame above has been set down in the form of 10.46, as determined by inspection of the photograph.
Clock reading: 6.44
